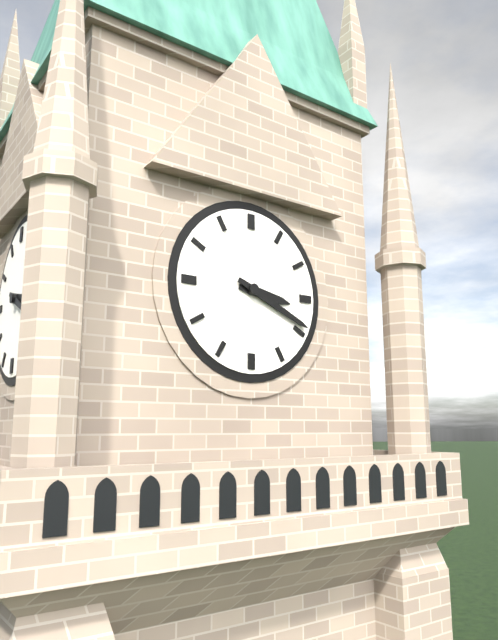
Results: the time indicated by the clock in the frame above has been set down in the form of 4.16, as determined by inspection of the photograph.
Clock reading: 3.19
